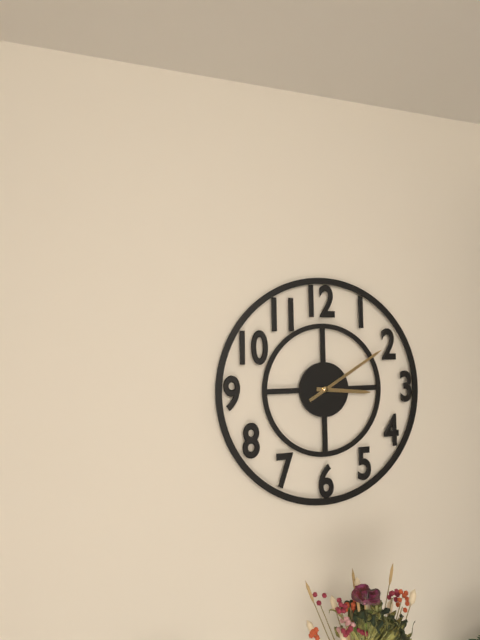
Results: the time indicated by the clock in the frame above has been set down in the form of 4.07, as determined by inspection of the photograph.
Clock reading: 3.10
